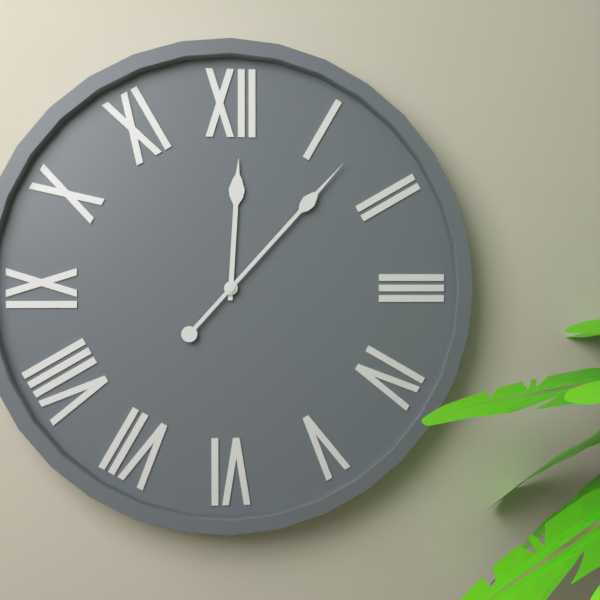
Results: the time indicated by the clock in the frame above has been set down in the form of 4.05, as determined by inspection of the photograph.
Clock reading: 12.07
